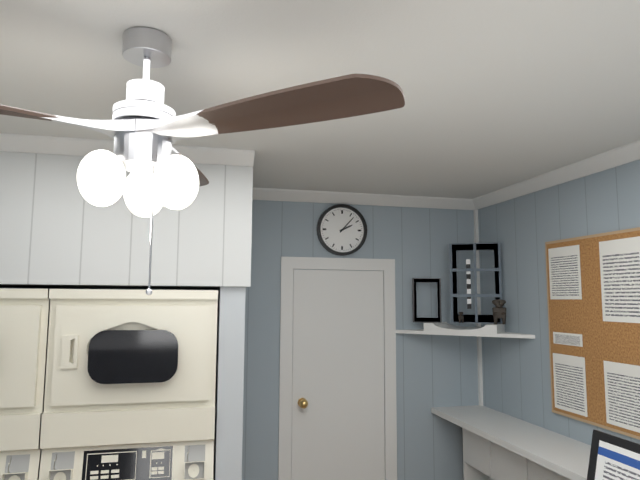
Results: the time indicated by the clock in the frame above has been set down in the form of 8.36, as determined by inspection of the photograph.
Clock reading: 2.07
